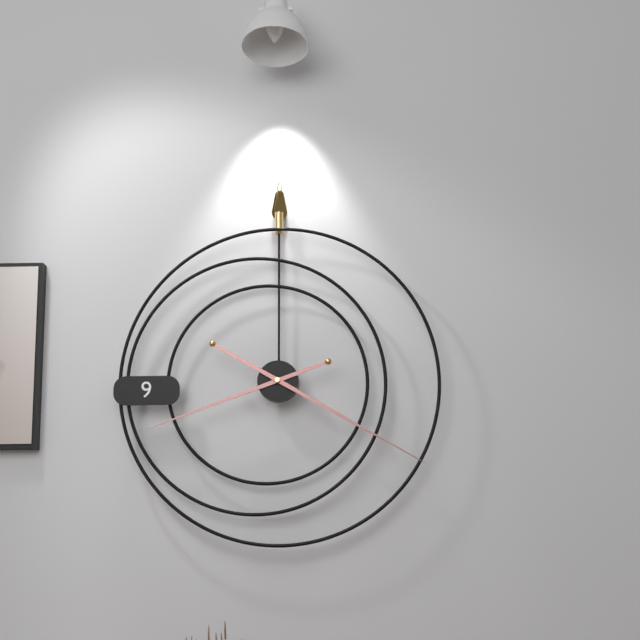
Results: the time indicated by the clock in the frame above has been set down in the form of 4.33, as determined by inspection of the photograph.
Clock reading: 8.20
